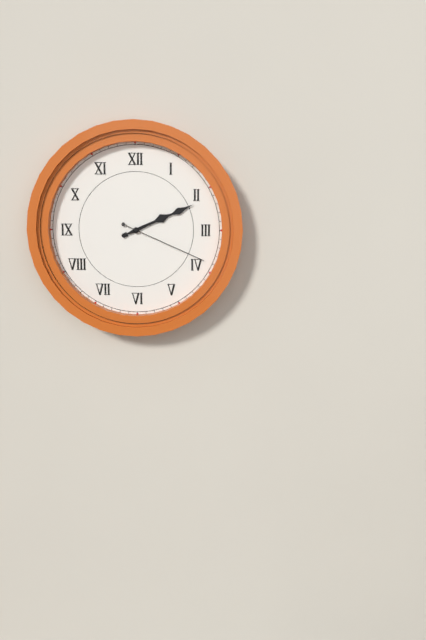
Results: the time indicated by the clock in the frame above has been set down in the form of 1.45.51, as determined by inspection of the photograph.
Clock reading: 2.11.19
